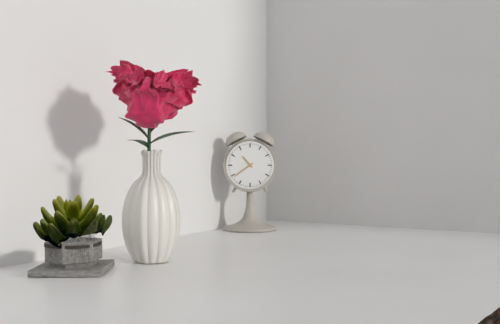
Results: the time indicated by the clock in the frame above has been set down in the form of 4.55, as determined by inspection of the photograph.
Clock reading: 10.39
